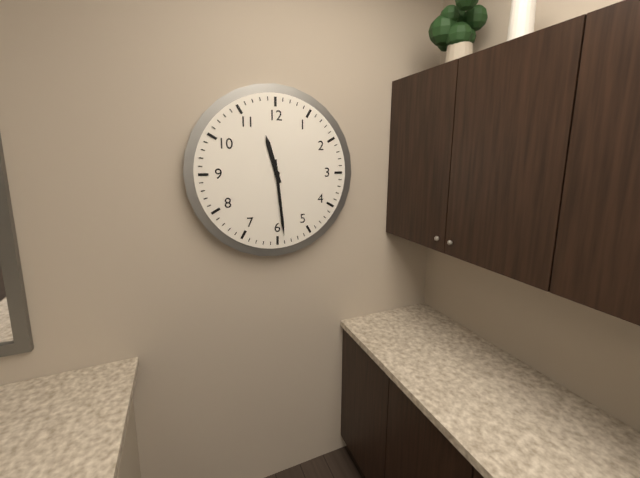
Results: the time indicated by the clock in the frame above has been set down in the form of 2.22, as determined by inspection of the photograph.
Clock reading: 11.29
